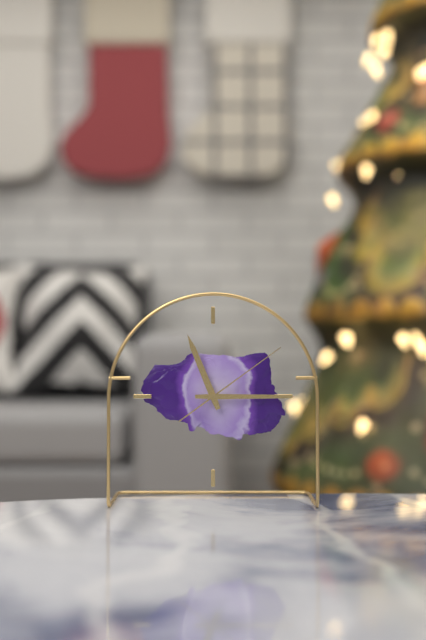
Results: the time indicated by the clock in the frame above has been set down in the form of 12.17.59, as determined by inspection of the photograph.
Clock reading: 11.15.09
